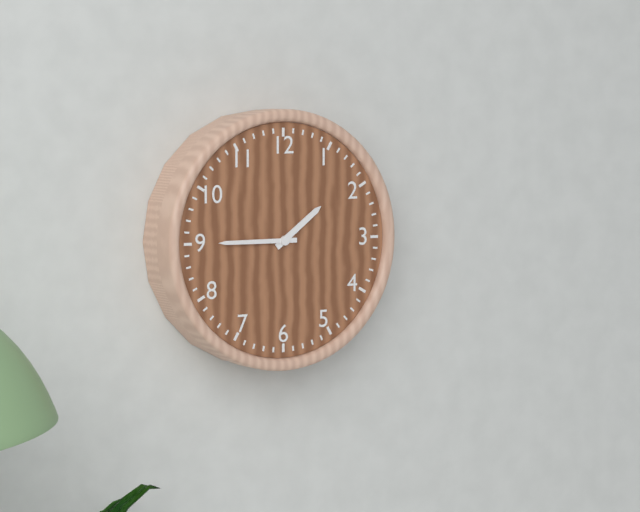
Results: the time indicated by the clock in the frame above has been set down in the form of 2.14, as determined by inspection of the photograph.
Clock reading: 1.45
